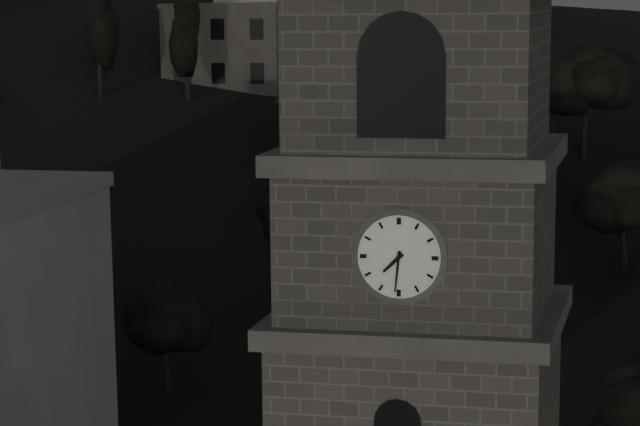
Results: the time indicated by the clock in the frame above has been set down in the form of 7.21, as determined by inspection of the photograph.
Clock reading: 7.31
